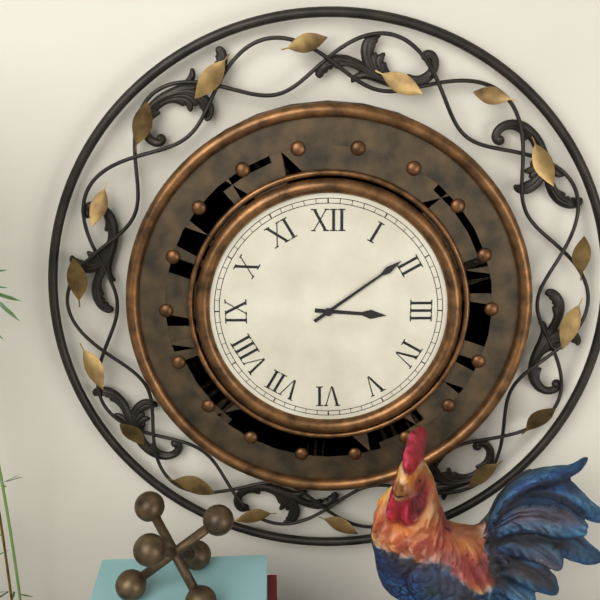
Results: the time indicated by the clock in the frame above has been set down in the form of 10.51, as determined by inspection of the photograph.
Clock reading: 3.09
